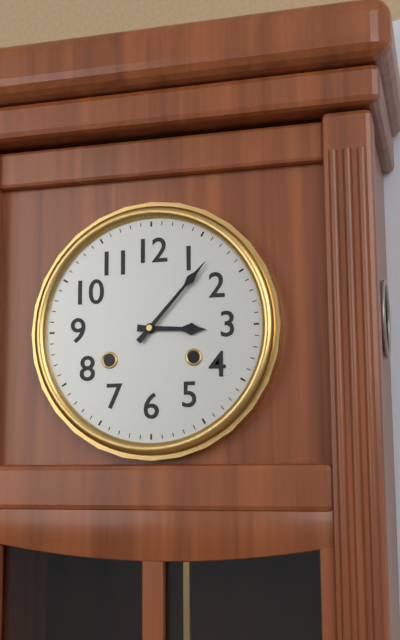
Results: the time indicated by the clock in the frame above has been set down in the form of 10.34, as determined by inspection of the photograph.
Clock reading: 3.07
